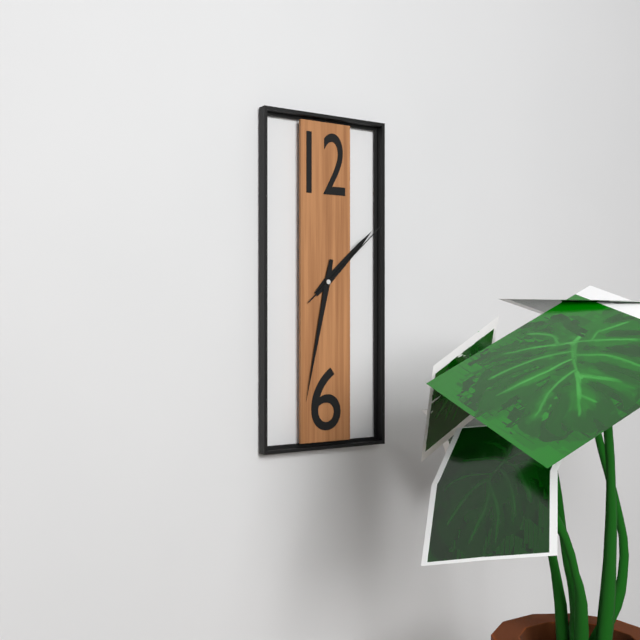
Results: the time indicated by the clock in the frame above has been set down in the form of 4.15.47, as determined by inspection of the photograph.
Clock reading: 1.32.08
